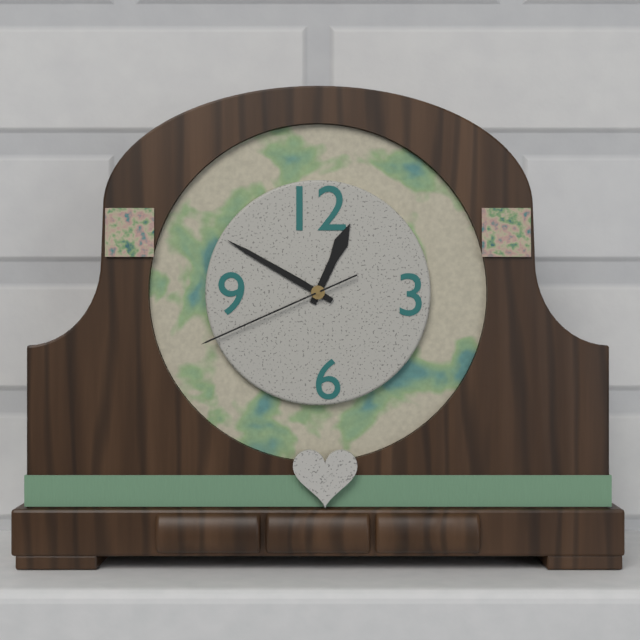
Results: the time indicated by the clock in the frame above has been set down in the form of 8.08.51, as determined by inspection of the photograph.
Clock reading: 12.50.41
